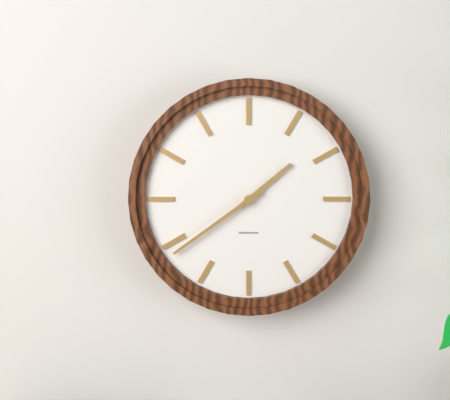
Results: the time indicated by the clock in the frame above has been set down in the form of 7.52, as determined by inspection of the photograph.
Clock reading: 1.39
